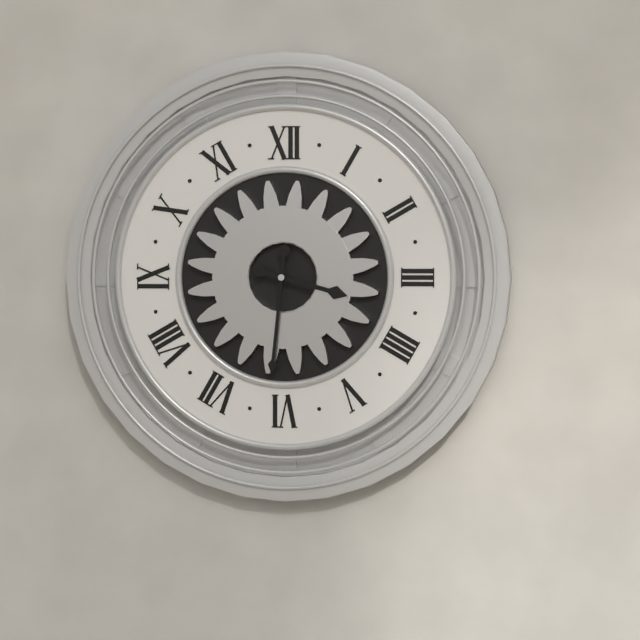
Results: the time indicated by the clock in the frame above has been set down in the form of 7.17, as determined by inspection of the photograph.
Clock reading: 3.31
